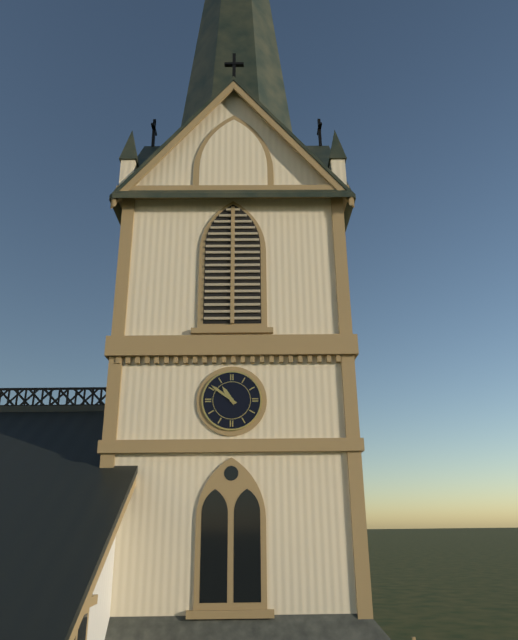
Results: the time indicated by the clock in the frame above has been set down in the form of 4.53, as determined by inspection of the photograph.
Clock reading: 10.51
